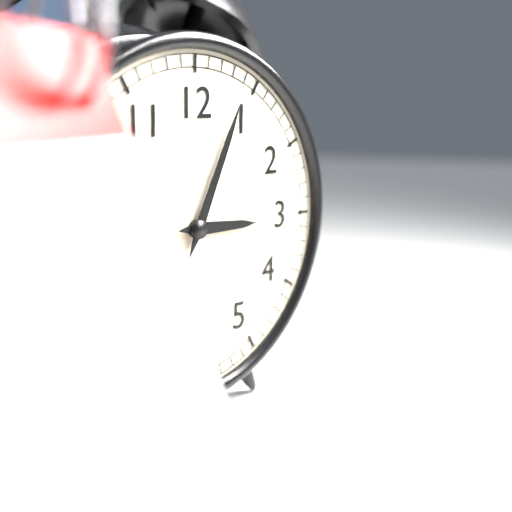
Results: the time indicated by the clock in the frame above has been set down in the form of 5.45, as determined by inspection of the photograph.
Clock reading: 3.04
